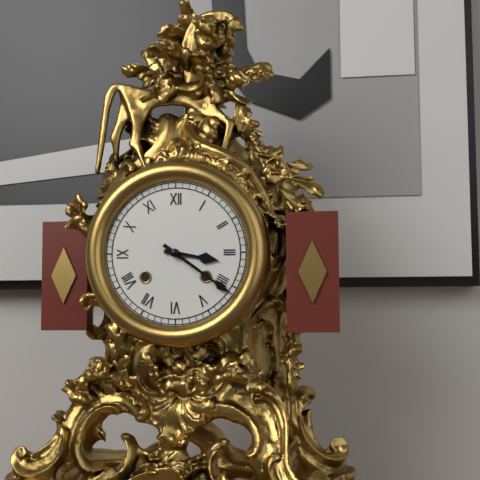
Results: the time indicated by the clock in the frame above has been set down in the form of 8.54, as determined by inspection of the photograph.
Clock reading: 3.21
